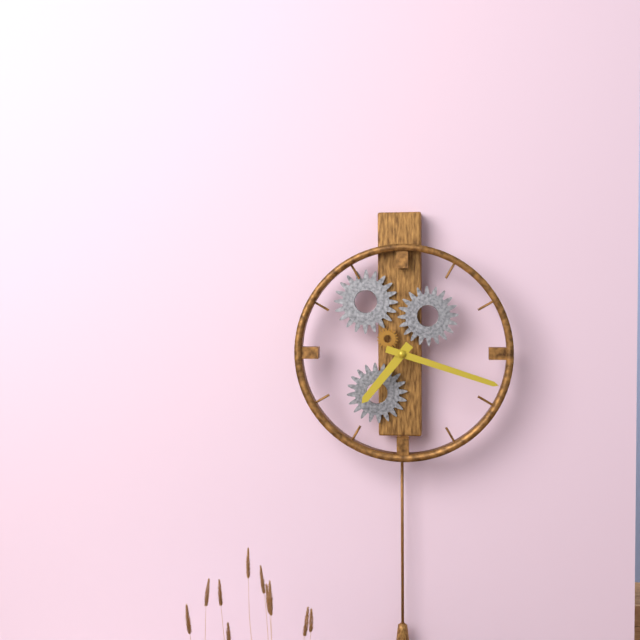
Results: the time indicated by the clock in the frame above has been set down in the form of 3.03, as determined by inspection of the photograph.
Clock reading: 7.18
